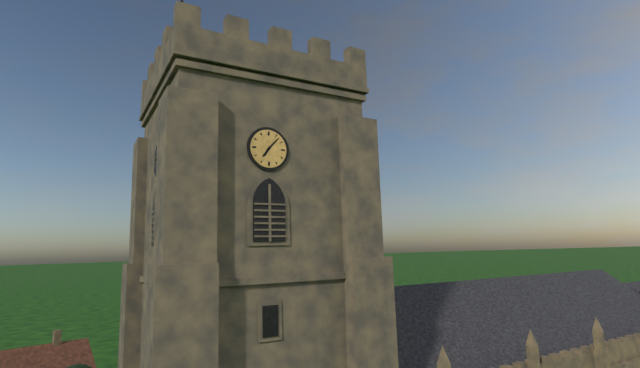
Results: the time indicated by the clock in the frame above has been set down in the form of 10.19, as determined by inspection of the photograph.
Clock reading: 7.07
